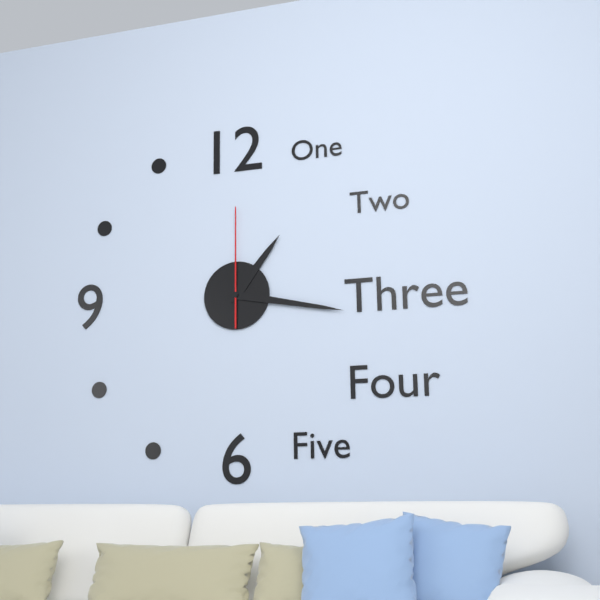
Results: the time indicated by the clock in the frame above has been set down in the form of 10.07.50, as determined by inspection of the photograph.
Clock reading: 1.17.00
